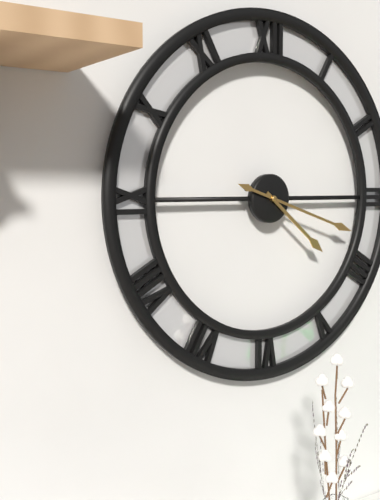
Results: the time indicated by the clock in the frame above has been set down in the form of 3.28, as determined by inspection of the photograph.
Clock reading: 4.18
